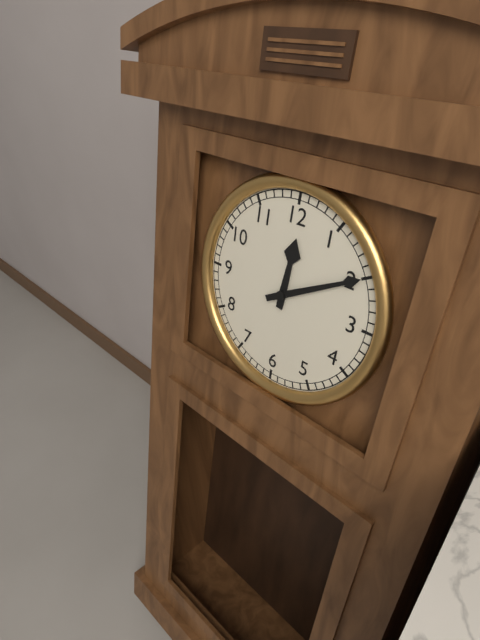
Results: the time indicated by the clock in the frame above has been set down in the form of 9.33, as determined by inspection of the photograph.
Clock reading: 12.10
